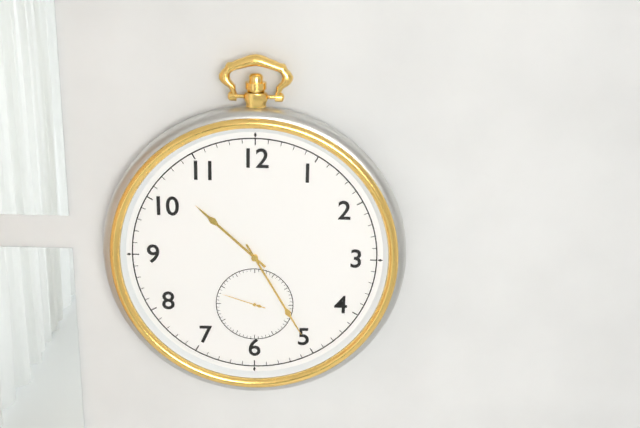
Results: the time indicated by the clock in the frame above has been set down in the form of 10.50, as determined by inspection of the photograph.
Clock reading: 10.25
